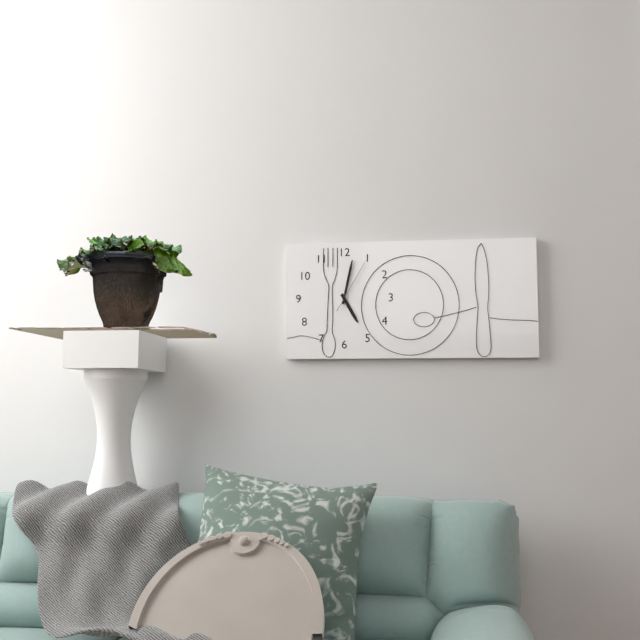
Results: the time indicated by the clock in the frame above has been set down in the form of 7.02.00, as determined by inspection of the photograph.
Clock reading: 5.02.05
